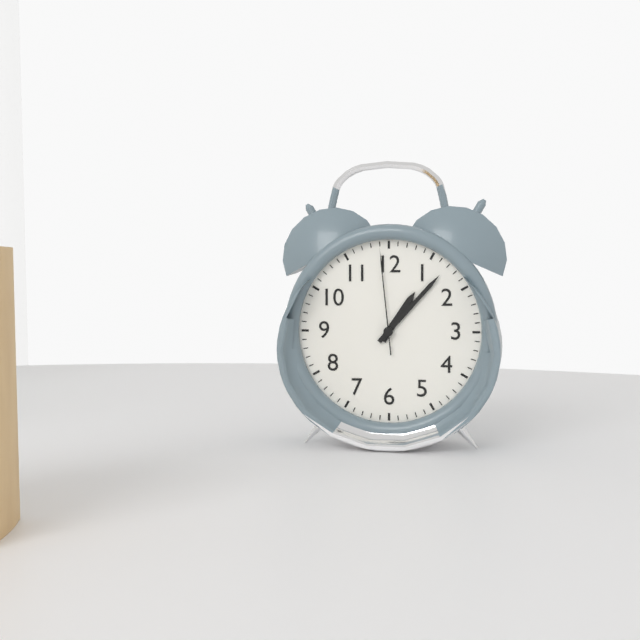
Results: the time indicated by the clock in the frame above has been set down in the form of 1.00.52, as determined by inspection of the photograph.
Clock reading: 1.07.59
